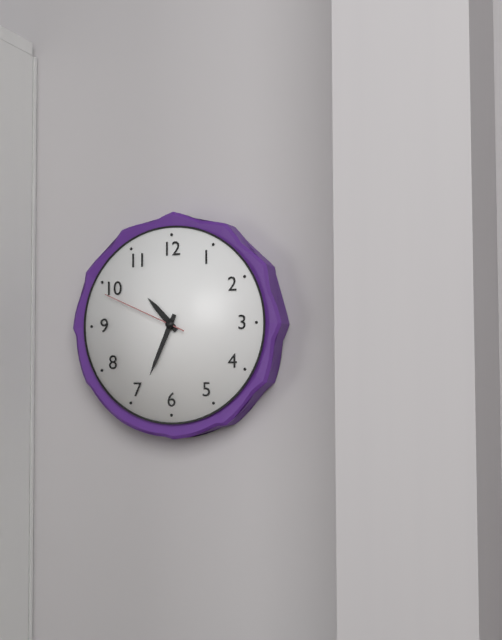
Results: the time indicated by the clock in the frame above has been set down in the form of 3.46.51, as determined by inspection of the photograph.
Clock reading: 10.34.49
